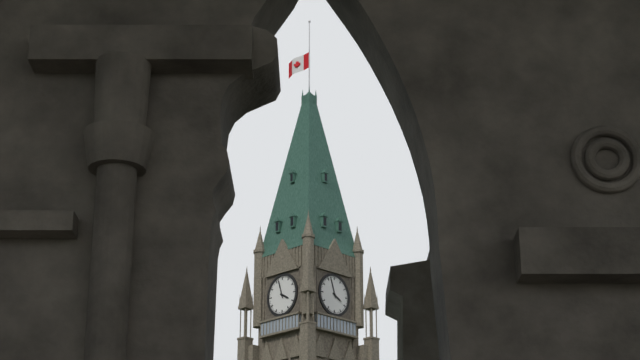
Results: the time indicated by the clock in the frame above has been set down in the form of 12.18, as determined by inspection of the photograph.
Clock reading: 3.57
